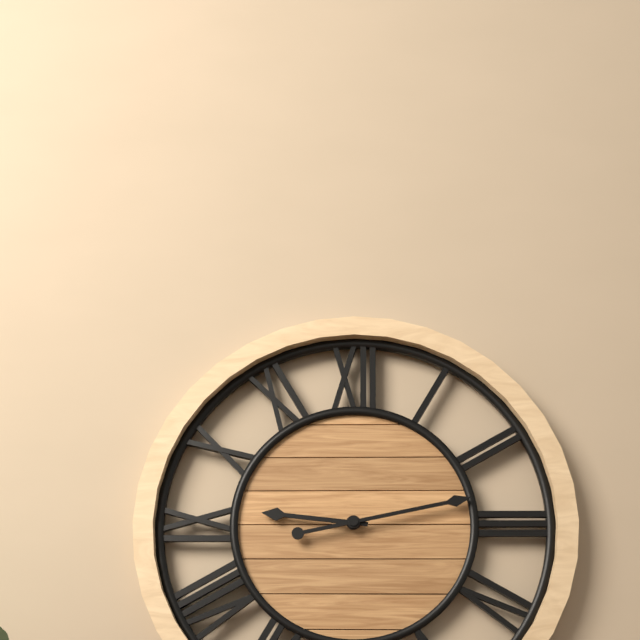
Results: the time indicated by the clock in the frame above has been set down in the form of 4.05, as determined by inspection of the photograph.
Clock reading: 9.13
